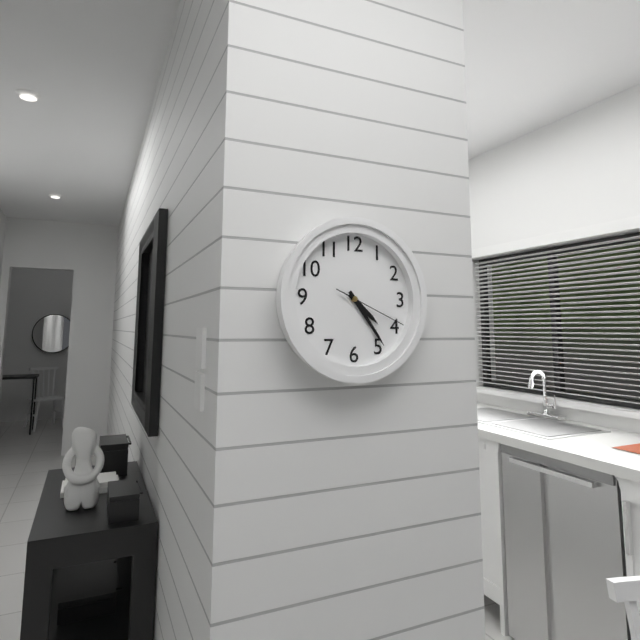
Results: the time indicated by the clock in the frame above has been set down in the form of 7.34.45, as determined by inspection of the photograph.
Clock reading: 4.24.19
